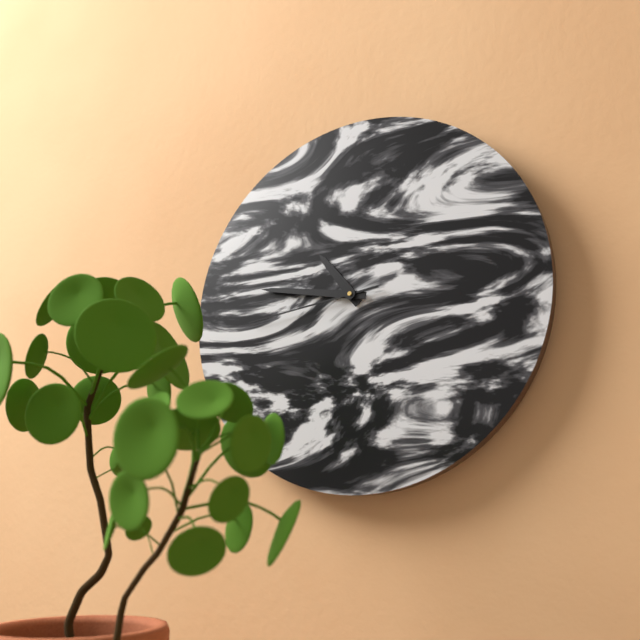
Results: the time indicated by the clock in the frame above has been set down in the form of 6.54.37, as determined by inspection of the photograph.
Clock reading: 10.47.44
